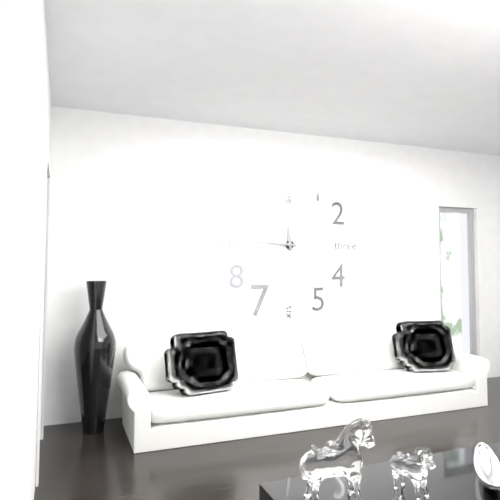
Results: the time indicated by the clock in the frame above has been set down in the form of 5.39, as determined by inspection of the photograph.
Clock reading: 11.46
